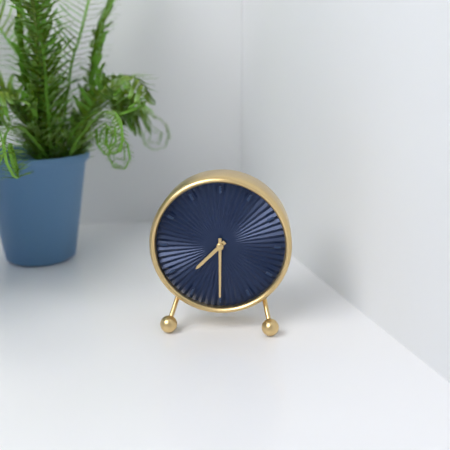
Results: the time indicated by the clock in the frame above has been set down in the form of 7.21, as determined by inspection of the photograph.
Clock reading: 7.30
